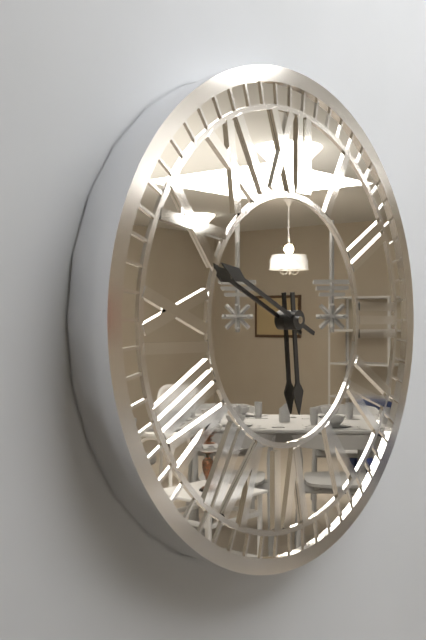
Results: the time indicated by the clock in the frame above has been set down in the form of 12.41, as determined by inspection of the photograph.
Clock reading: 5.49
